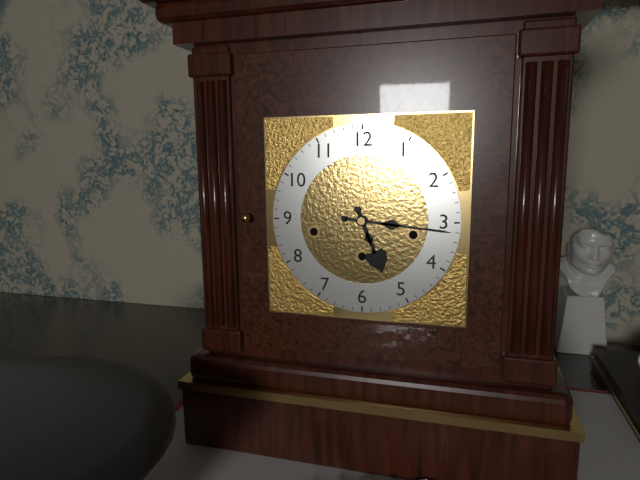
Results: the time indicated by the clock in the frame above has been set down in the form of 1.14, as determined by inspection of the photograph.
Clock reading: 5.16
